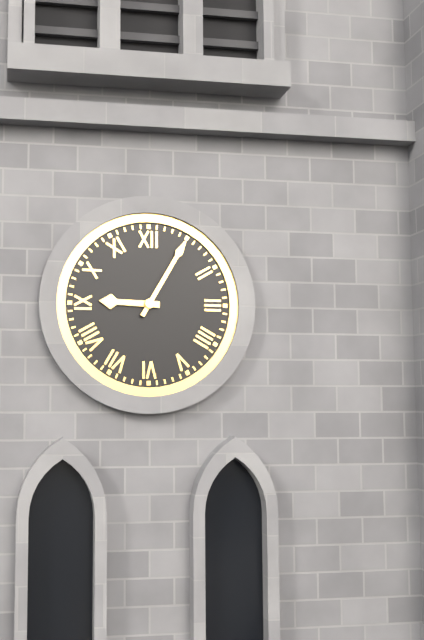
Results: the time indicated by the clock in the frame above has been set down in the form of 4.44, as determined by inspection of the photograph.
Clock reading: 9.05
